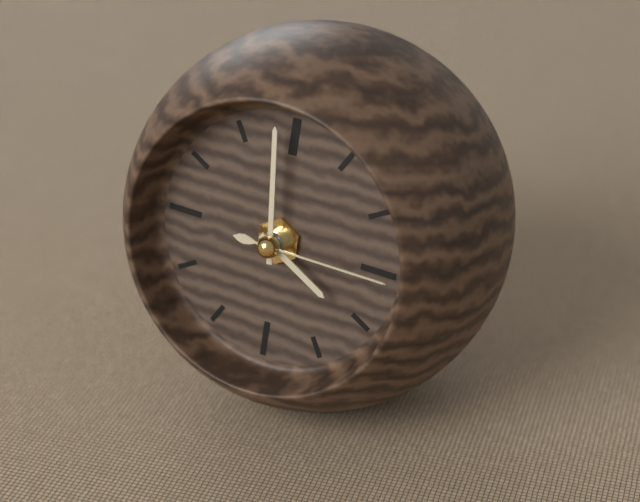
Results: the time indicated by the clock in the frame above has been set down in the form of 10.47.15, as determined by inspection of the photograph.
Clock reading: 3.59.15
